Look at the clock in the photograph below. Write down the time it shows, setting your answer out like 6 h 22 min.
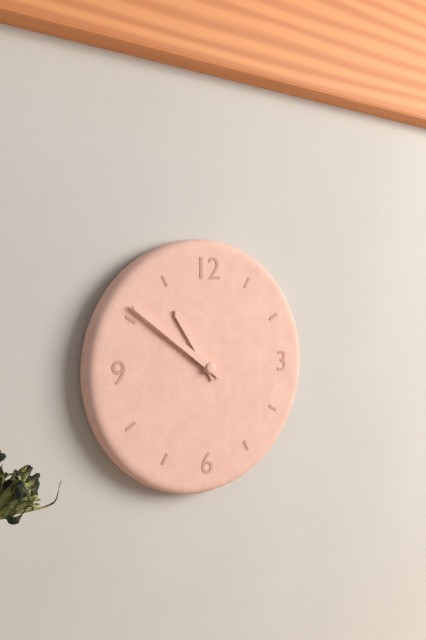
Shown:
10 h 51 min
